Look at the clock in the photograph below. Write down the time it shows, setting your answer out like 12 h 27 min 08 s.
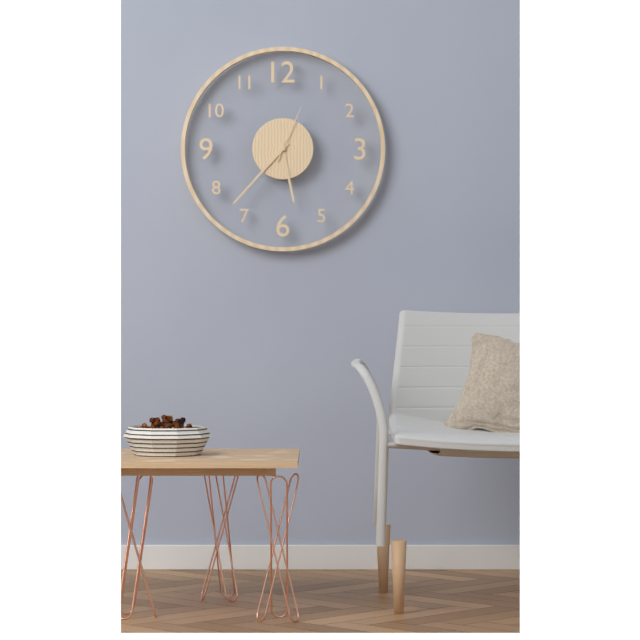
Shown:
5 h 37 min 04 s
